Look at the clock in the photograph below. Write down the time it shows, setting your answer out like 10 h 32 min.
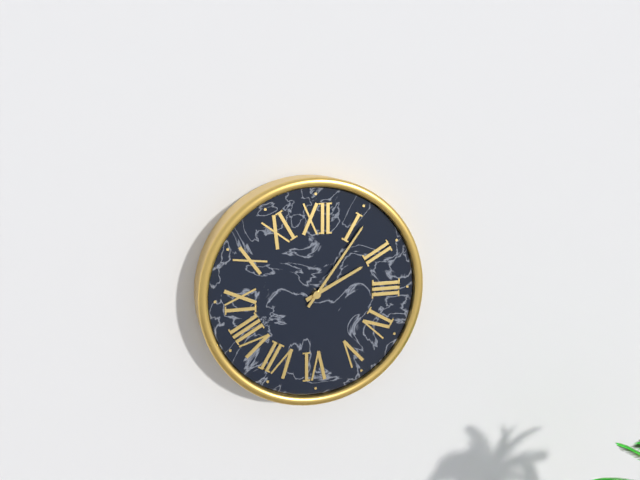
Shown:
2 h 06 min
